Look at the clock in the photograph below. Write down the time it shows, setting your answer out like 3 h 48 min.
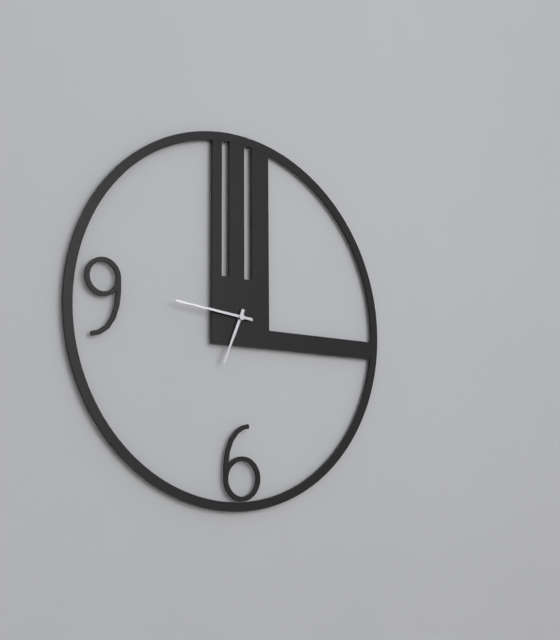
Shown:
6 h 46 min
